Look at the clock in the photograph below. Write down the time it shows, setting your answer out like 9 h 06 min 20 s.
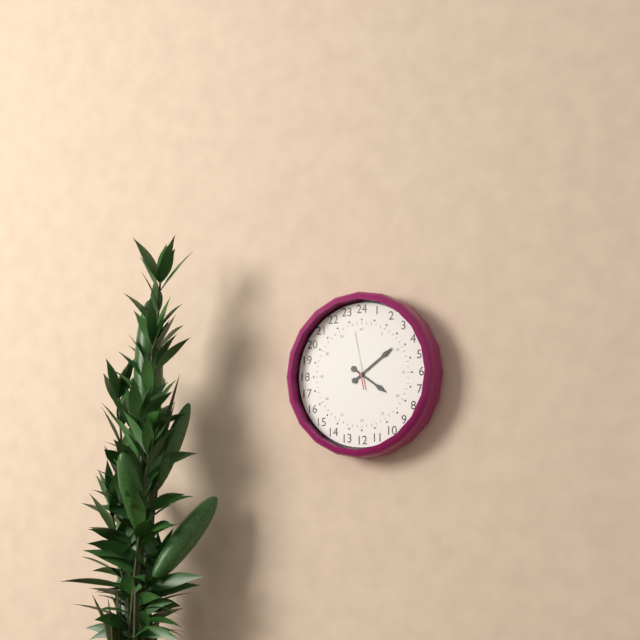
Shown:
4 h 09 min 58 s
